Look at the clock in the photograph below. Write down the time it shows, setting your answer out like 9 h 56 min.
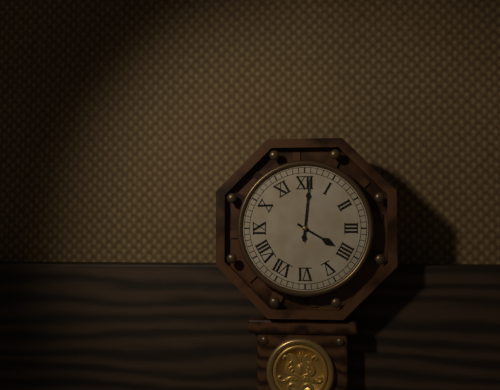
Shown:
4 h 01 min
